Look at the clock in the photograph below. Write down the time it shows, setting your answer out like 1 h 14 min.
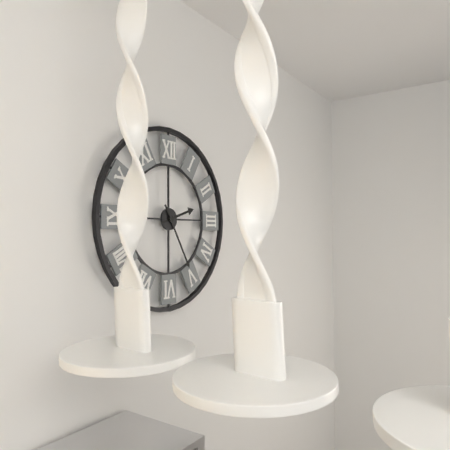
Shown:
2 h 25 min
